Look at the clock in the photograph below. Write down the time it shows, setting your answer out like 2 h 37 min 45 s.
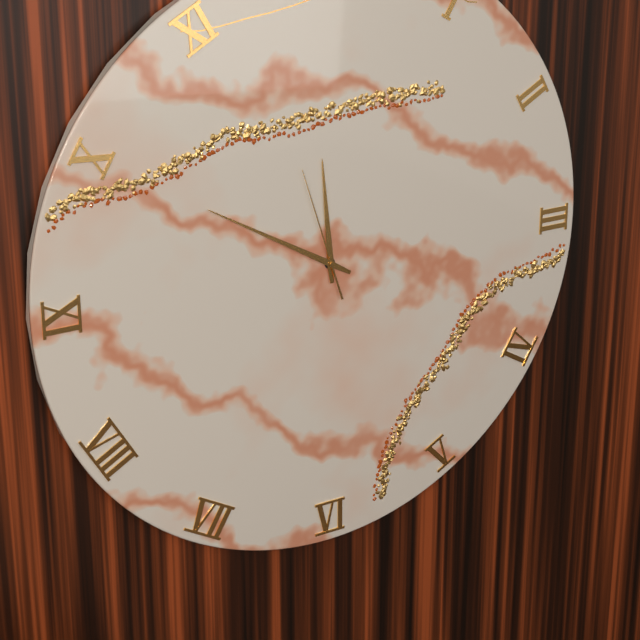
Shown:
11 h 50 min 57 s
